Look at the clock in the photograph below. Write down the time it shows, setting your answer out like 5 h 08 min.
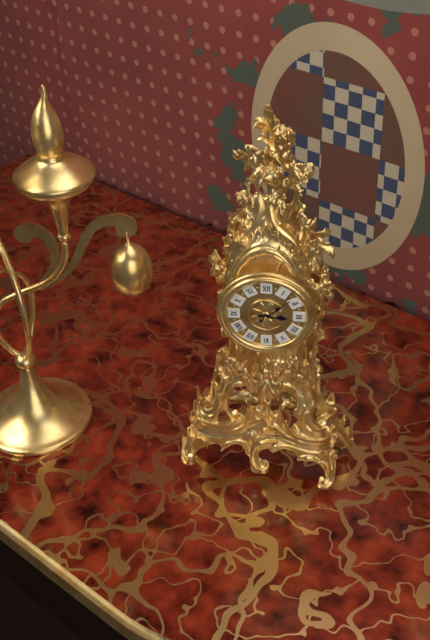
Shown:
3 h 08 min
